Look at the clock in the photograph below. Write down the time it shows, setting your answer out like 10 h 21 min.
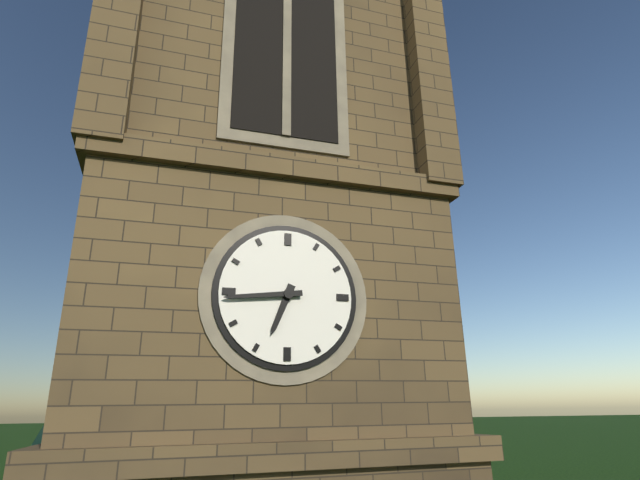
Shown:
6 h 44 min
